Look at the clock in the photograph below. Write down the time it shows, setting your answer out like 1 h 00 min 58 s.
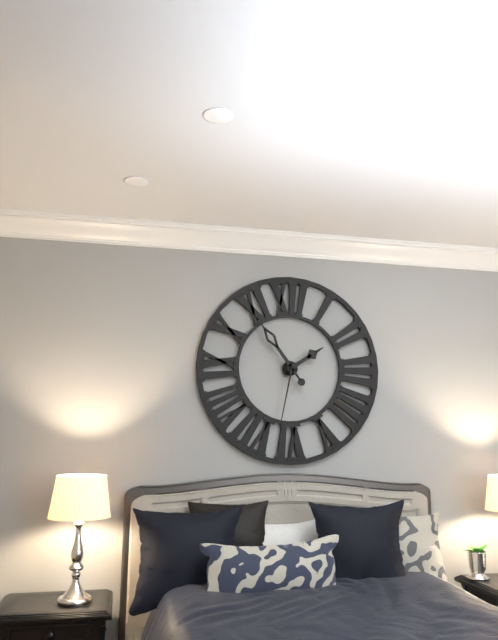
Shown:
1 h 54 min 32 s
